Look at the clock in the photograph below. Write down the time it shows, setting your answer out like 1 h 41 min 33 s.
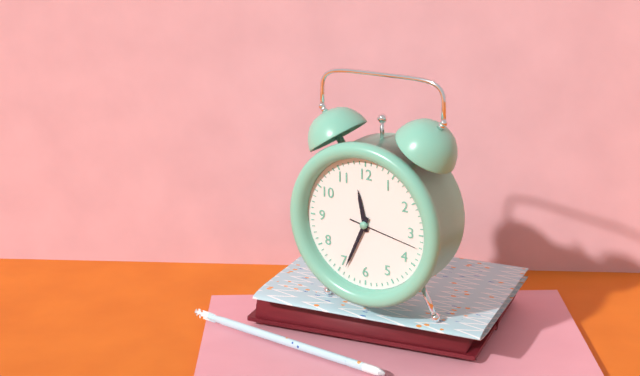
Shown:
11 h 34 min 17 s
